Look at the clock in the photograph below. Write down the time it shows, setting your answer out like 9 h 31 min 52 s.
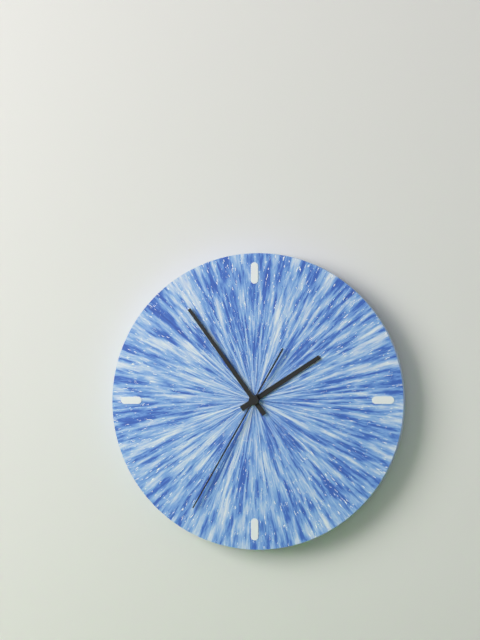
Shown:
1 h 54 min 35 s
